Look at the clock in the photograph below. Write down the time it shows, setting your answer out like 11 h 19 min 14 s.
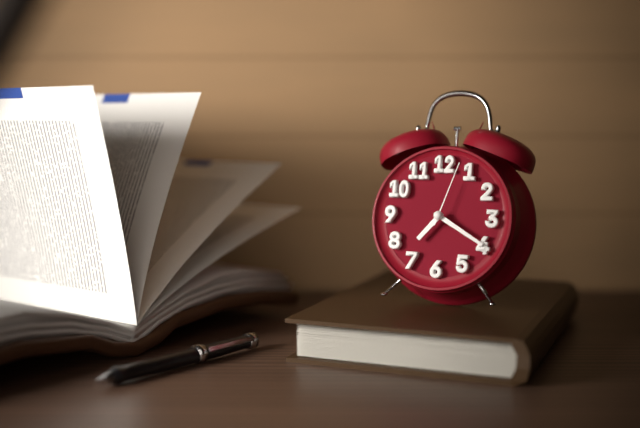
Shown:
7 h 20 min 03 s
